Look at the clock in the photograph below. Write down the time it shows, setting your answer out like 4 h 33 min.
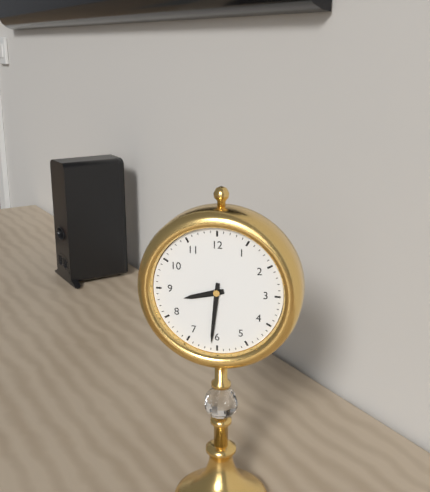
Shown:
8 h 31 min
